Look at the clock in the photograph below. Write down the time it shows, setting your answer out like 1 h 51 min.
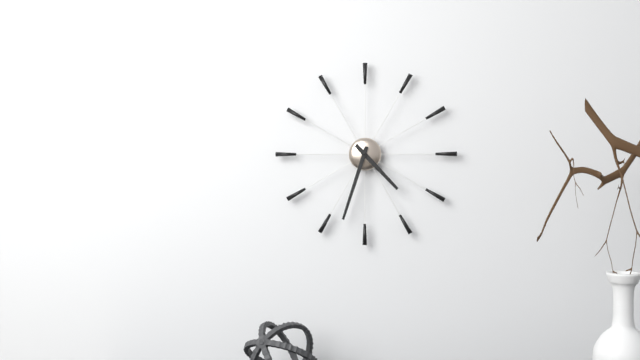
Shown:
4 h 33 min
